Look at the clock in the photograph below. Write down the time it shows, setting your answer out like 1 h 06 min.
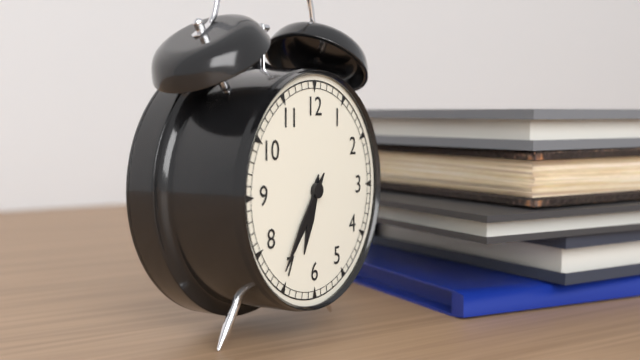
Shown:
6 h 36 min
